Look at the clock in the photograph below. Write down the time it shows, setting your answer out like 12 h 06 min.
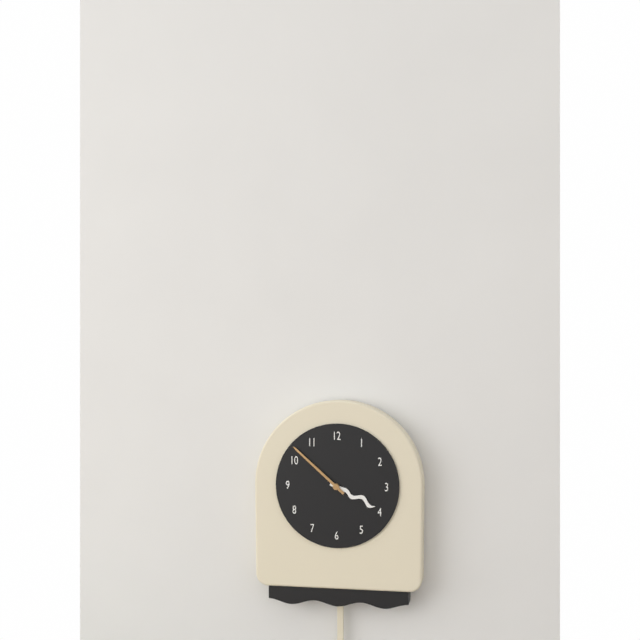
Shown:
3 h 52 min
